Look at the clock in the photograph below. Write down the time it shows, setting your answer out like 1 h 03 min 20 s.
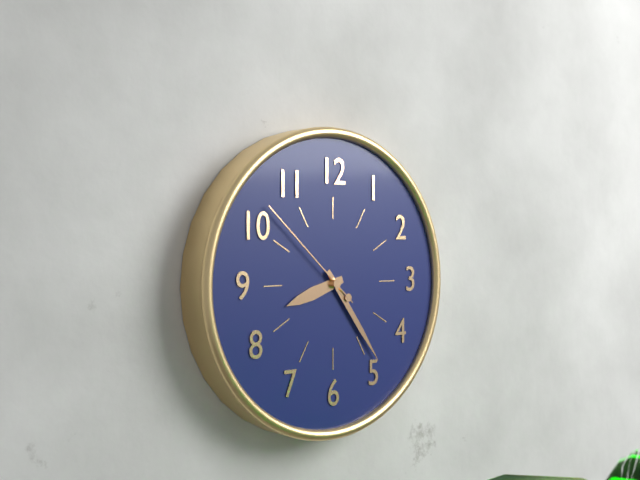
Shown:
8 h 24 min 52 s
